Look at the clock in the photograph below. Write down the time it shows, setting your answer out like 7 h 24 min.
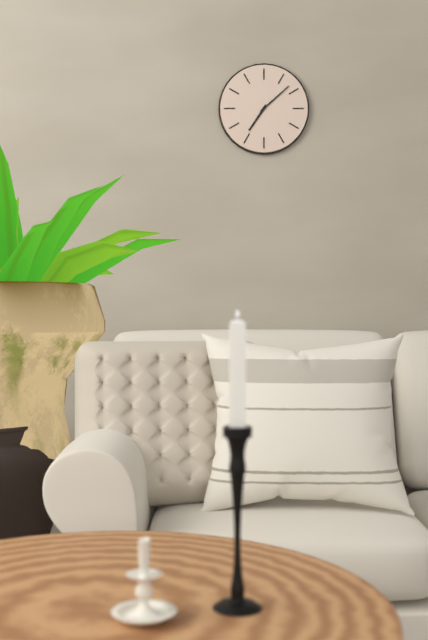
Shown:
7 h 08 min
